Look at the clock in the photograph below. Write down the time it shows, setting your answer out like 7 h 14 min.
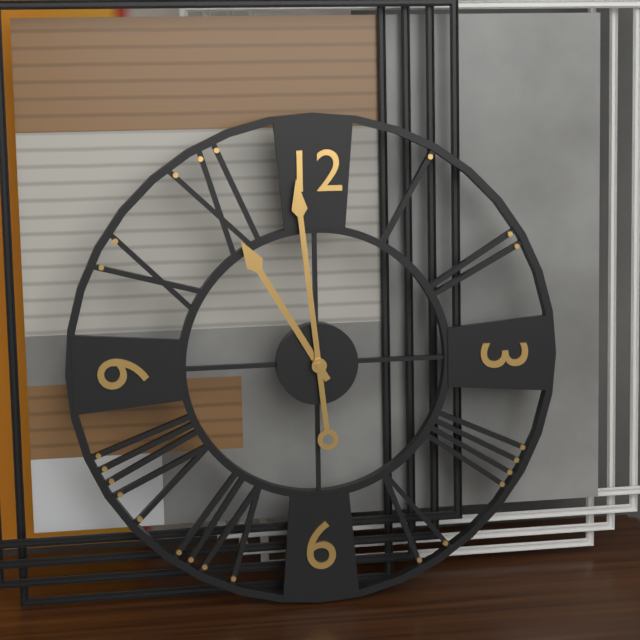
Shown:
10 h 59 min
